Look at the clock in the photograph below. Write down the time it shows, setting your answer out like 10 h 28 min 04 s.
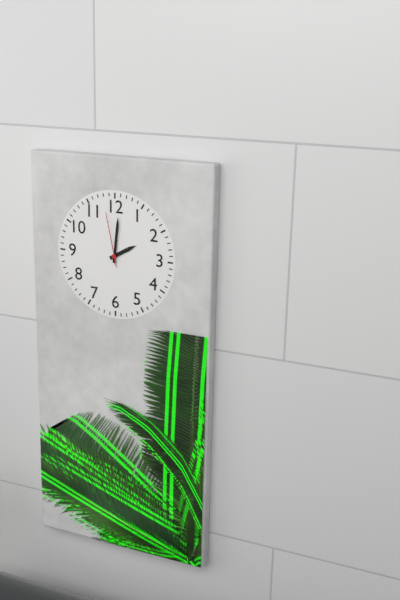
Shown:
2 h 01 min 58 s
